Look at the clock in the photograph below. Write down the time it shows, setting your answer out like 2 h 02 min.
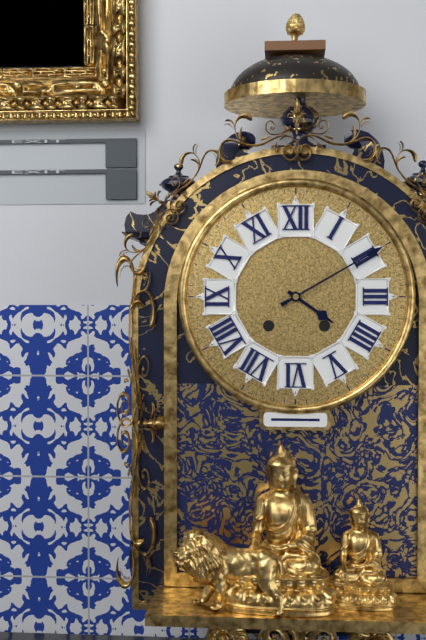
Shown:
4 h 10 min
